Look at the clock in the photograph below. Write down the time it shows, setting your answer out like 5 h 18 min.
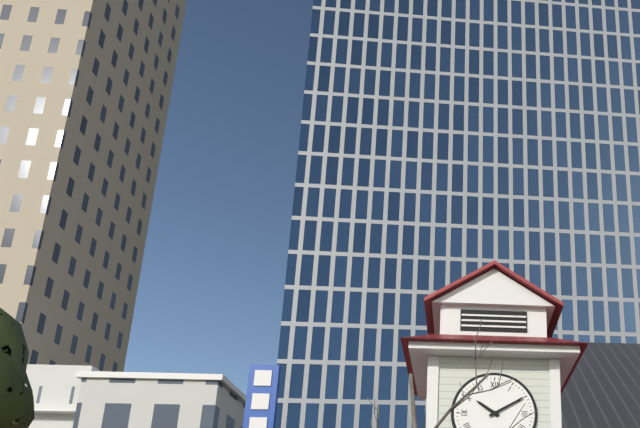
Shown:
10 h 10 min
